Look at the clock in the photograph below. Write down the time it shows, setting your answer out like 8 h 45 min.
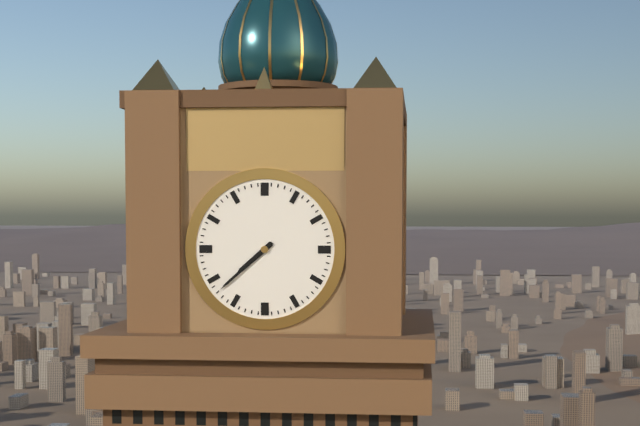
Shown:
7 h 38 min
